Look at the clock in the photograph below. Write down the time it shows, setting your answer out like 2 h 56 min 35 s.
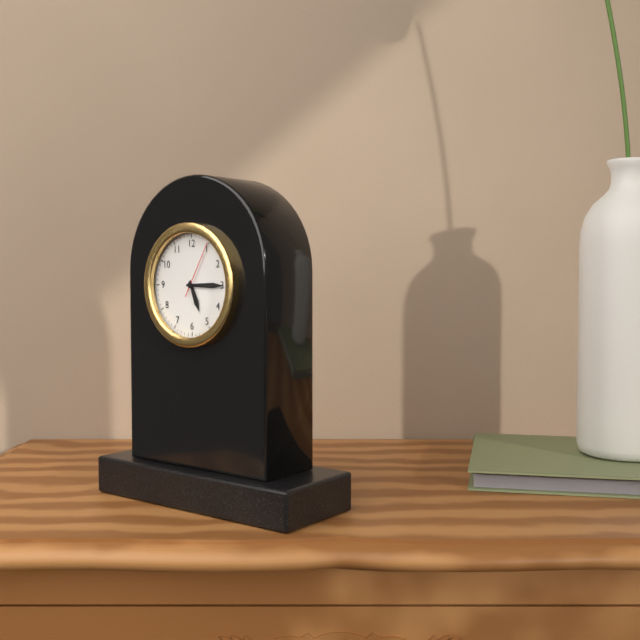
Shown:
5 h 15 min 05 s
